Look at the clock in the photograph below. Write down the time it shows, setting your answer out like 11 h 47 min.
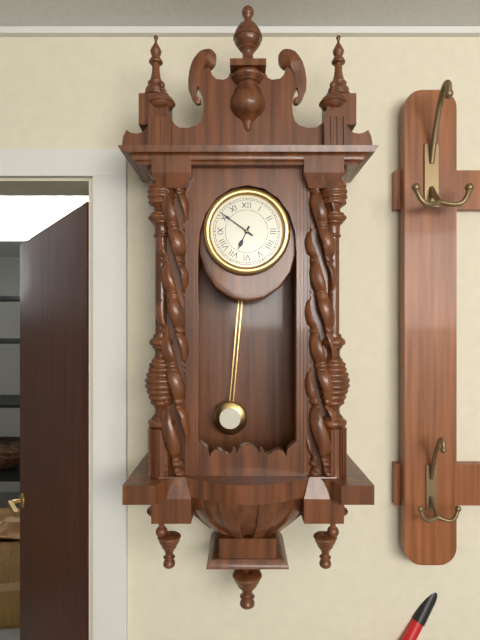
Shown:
6 h 51 min
